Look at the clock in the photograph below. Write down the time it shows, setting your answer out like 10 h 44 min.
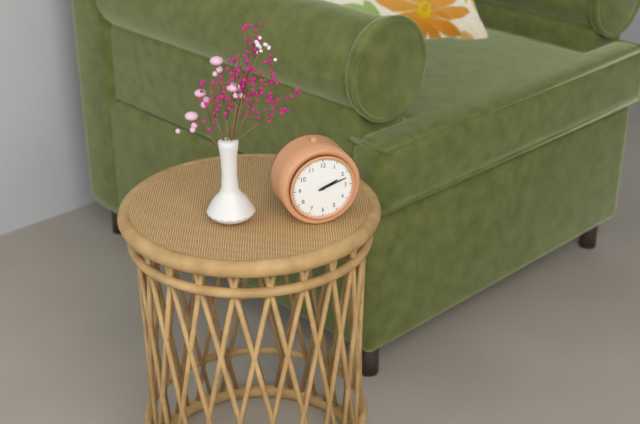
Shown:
2 h 12 min
